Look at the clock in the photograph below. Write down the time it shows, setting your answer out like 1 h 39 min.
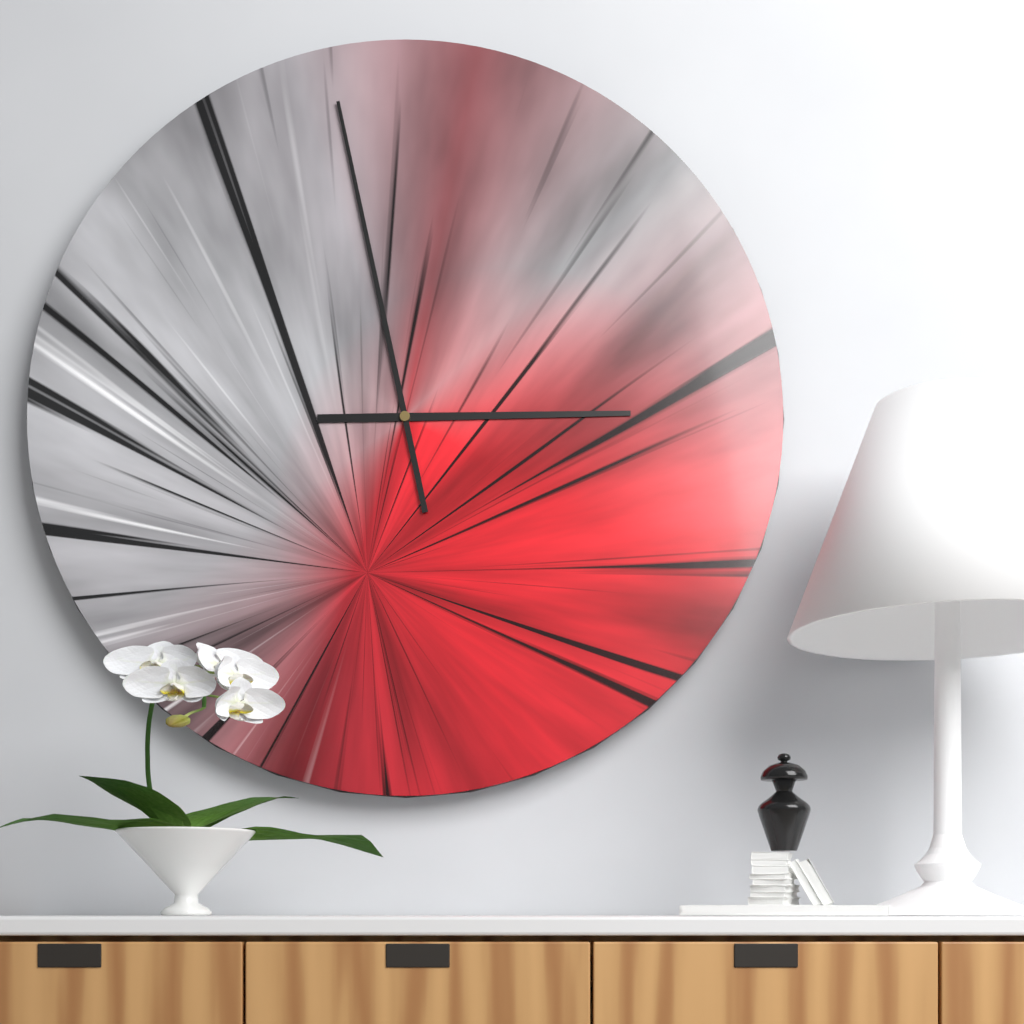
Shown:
2 h 58 min
